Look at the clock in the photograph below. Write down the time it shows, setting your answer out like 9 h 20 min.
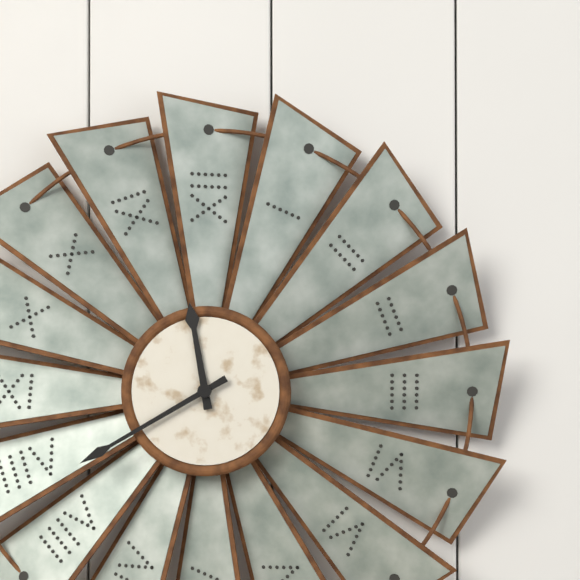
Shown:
11 h 40 min
